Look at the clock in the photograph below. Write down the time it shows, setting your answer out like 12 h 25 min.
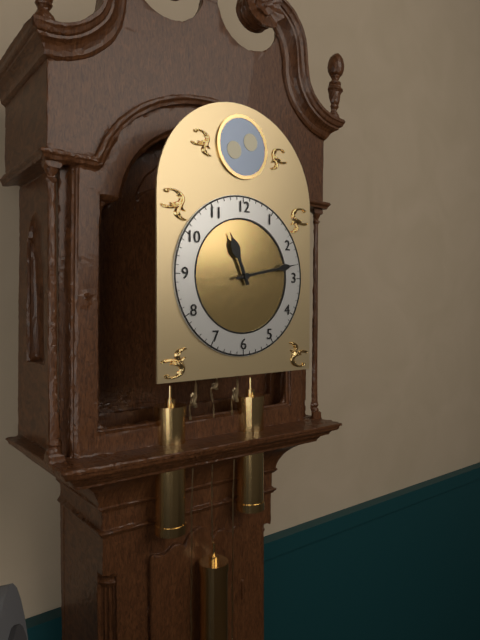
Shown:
11 h 13 min
